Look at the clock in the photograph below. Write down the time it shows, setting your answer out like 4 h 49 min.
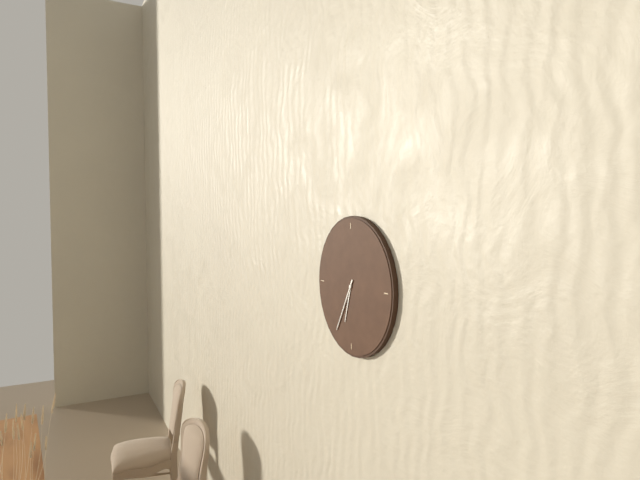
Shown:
6 h 35 min
